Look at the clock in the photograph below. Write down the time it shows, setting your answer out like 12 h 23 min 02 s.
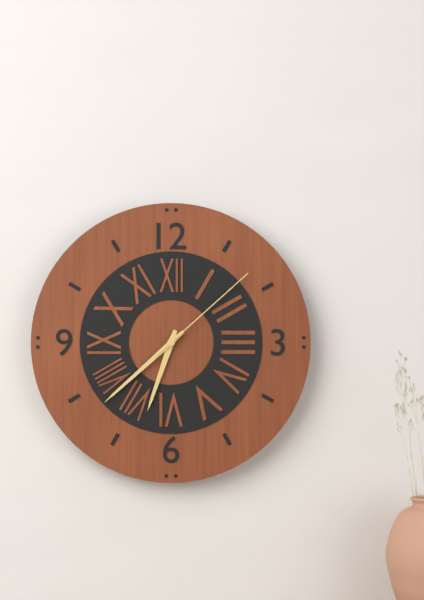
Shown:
6 h 38 min 08 s
